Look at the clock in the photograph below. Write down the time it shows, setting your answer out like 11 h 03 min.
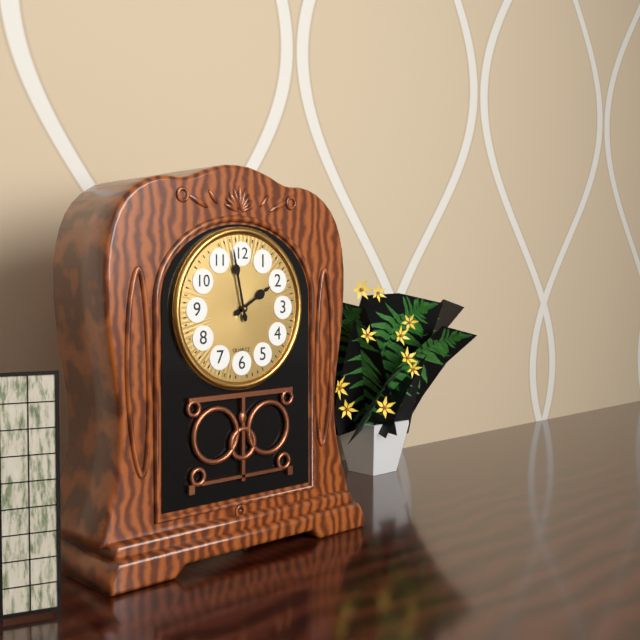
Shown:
1 h 58 min
